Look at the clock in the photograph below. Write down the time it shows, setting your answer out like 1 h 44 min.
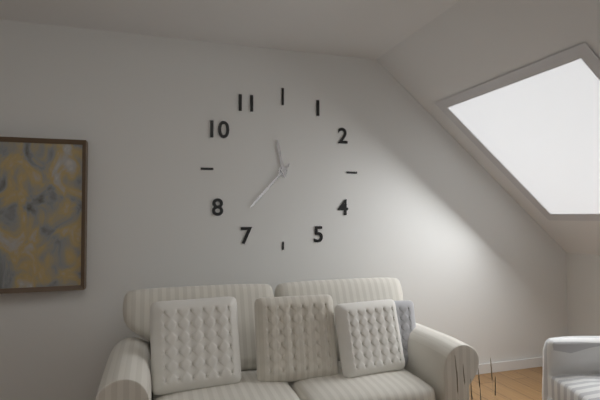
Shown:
11 h 37 min
